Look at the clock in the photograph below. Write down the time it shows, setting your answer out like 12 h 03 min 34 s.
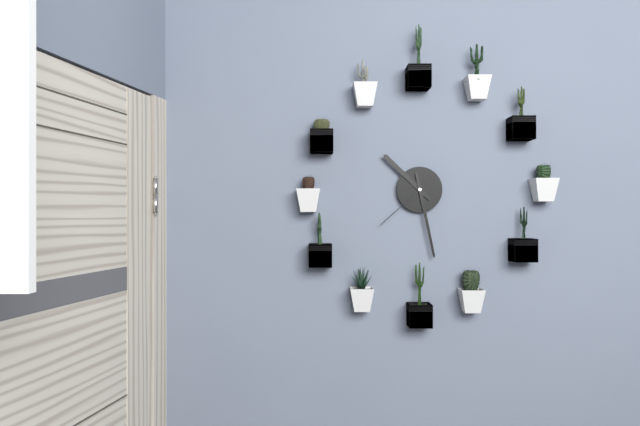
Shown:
10 h 28 min 38 s
